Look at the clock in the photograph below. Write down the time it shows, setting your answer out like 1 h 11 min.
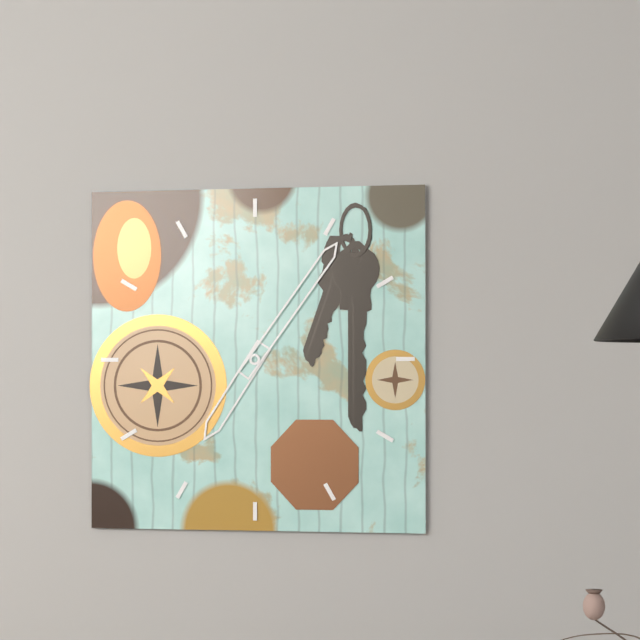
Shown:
7 h 06 min
